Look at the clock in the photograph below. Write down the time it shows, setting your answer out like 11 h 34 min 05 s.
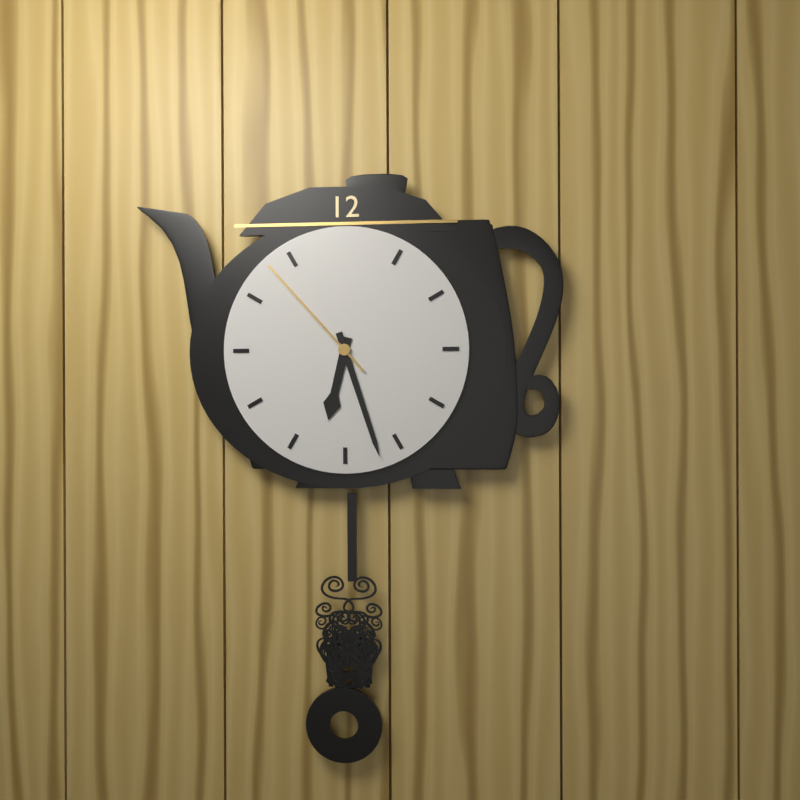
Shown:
6 h 27 min 53 s
